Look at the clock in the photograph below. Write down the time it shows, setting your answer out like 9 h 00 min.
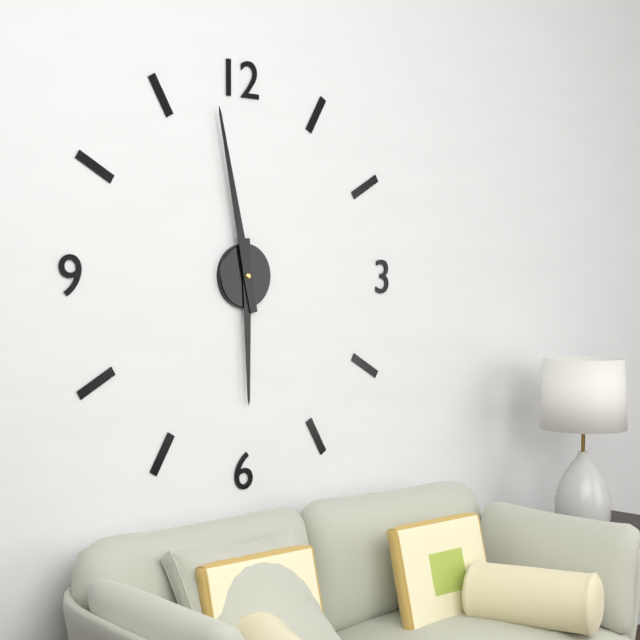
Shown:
5 h 58 min
